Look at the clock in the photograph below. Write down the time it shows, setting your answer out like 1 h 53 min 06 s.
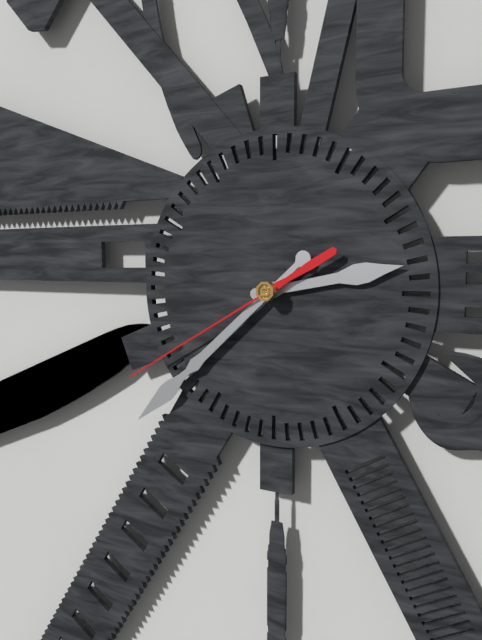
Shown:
2 h 38 min 40 s
